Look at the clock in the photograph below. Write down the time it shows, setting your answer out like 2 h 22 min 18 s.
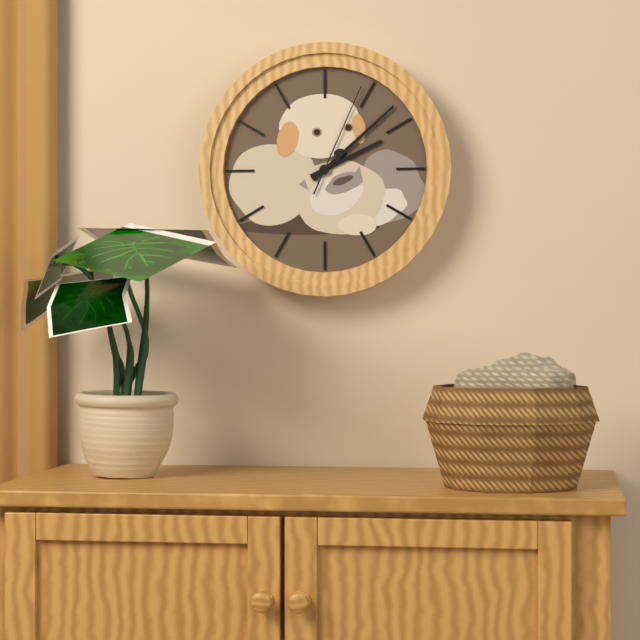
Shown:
2 h 08 min 04 s
